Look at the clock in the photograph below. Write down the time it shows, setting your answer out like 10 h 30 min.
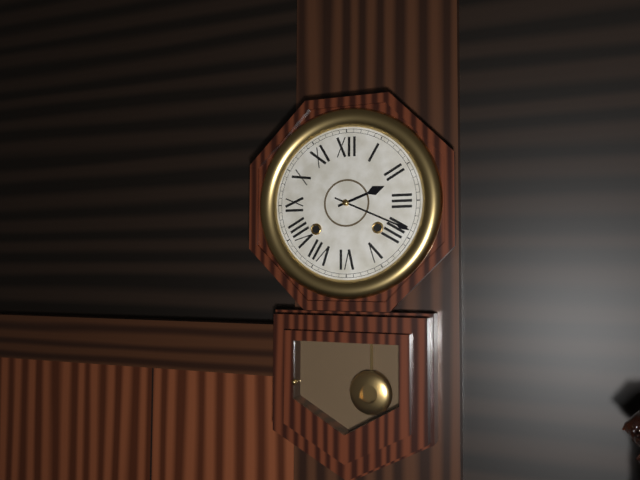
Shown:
2 h 19 min
